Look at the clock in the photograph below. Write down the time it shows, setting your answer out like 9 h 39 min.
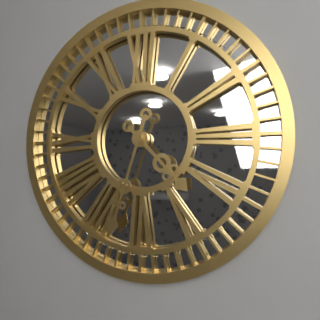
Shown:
4 h 33 min
